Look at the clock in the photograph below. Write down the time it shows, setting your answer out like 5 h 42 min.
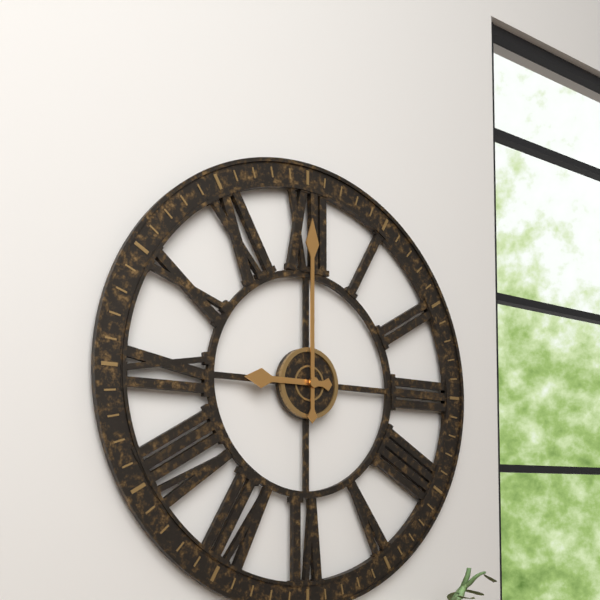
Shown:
9 h 00 min
